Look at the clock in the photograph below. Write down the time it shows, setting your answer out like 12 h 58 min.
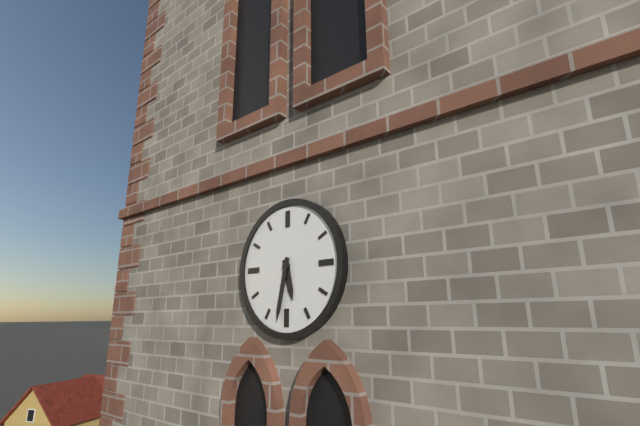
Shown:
5 h 32 min
